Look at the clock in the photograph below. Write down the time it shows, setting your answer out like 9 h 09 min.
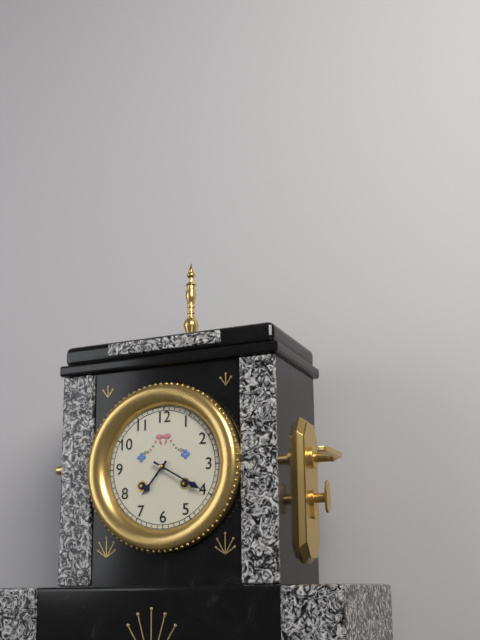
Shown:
7 h 20 min
